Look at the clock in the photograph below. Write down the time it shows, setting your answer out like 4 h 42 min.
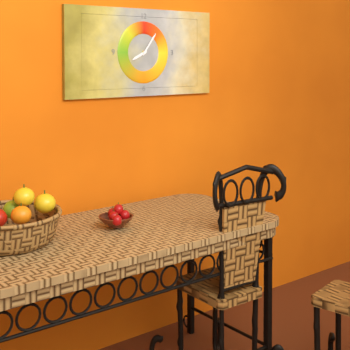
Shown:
8 h 06 min
